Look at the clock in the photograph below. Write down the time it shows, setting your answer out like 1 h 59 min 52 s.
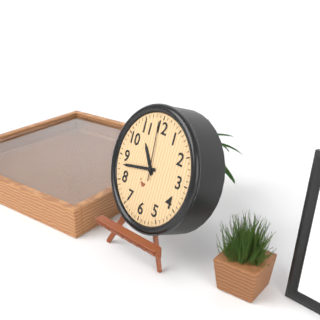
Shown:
10 h 43 min 59 s
